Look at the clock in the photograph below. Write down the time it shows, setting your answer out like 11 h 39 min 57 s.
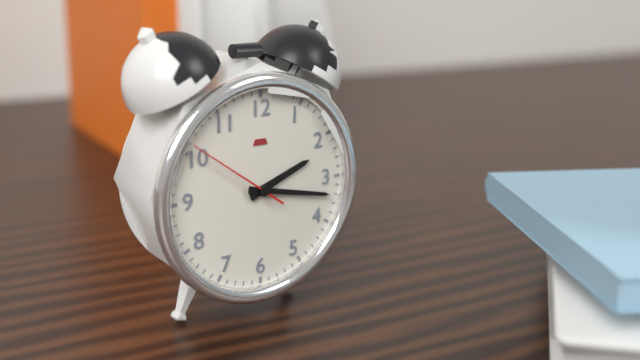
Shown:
2 h 17 min 51 s
